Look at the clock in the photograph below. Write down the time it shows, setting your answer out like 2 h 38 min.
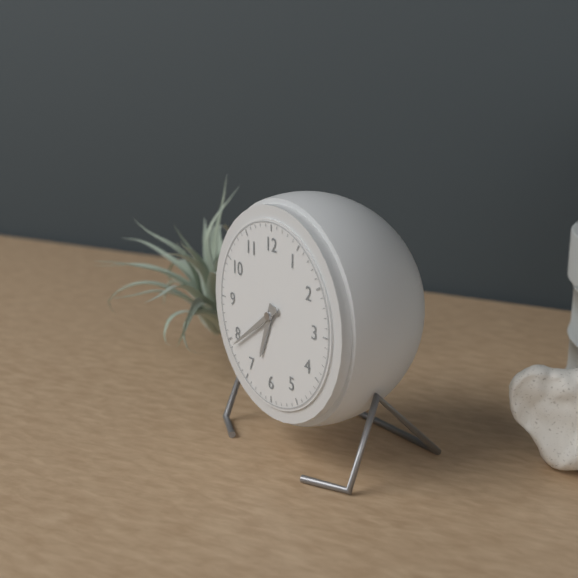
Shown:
6 h 39 min
